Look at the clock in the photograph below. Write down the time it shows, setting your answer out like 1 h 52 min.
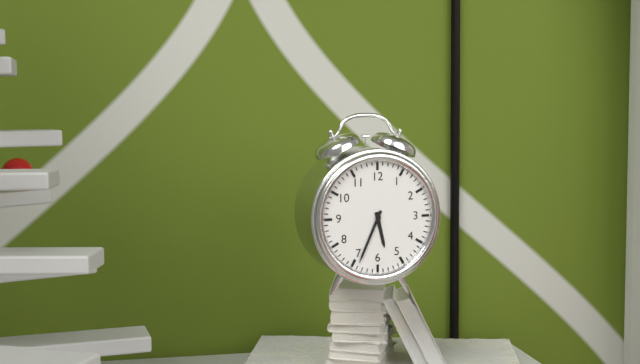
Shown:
5 h 34 min
